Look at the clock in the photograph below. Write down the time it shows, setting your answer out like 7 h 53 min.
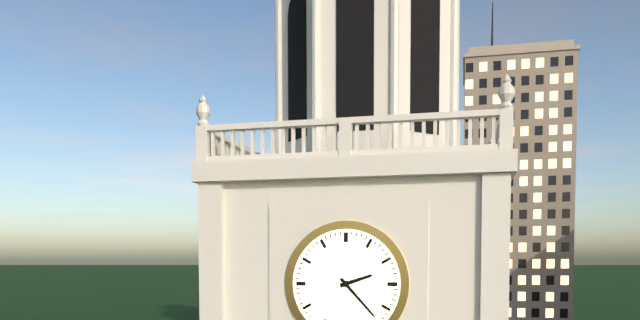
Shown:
2 h 23 min
